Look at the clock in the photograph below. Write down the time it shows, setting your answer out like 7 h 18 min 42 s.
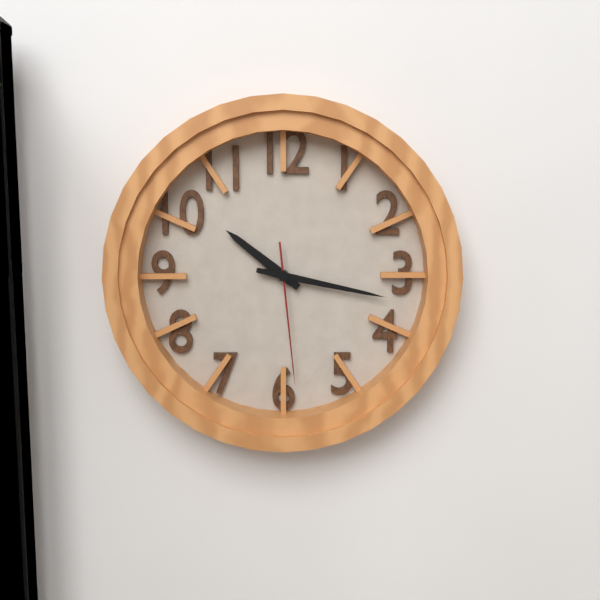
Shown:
10 h 17 min 29 s
